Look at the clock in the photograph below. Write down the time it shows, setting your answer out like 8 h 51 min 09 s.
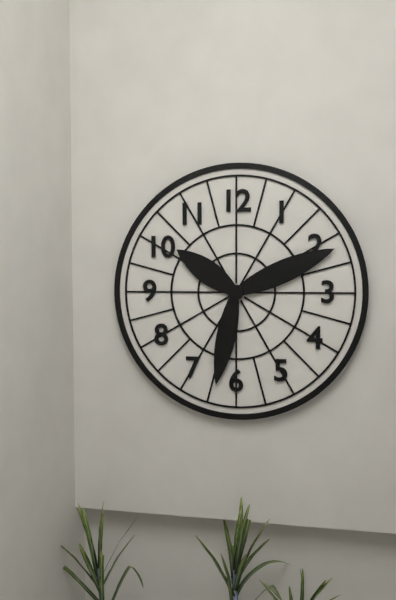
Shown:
10 h 11 min 32 s
